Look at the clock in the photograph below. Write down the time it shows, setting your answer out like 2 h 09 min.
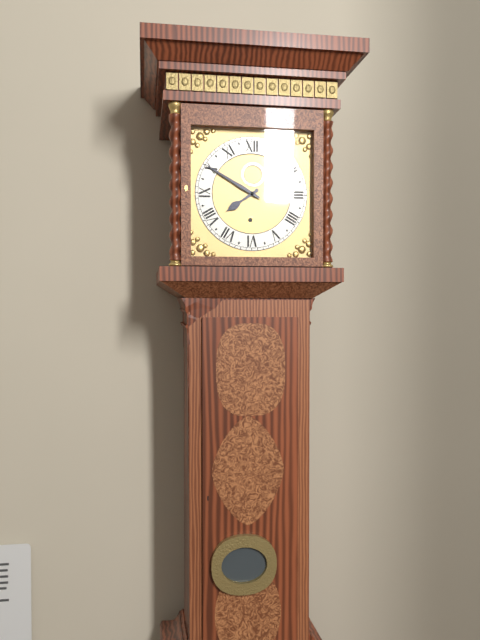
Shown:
7 h 50 min
